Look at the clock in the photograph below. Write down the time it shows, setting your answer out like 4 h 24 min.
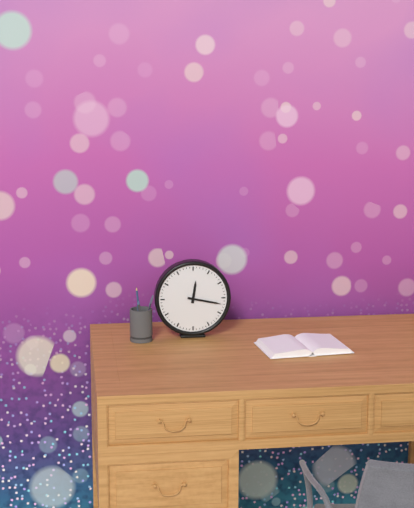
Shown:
12 h 17 min
